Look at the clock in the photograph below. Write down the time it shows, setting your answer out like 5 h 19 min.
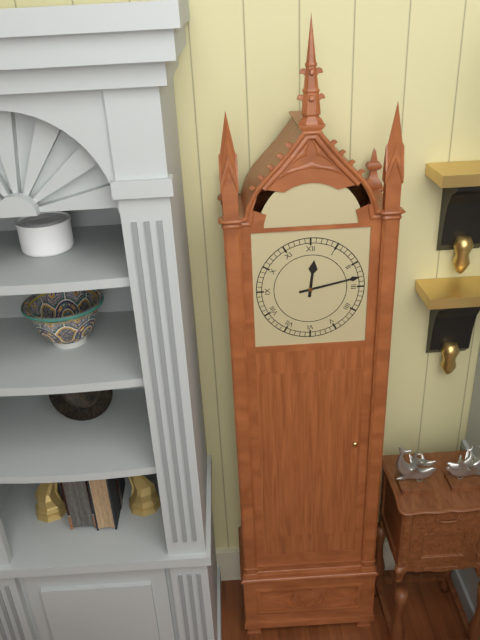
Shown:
12 h 13 min
